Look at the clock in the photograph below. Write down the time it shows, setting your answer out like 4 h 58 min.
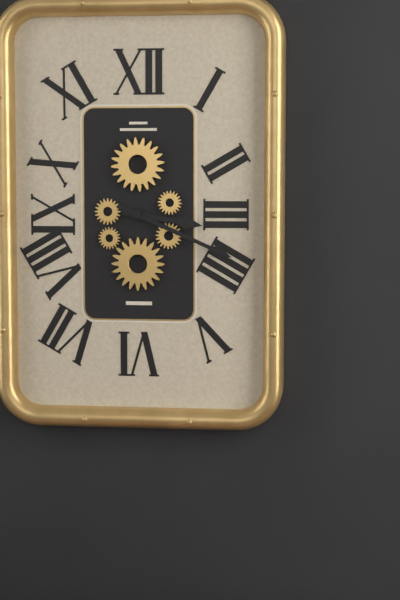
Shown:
3 h 19 min
